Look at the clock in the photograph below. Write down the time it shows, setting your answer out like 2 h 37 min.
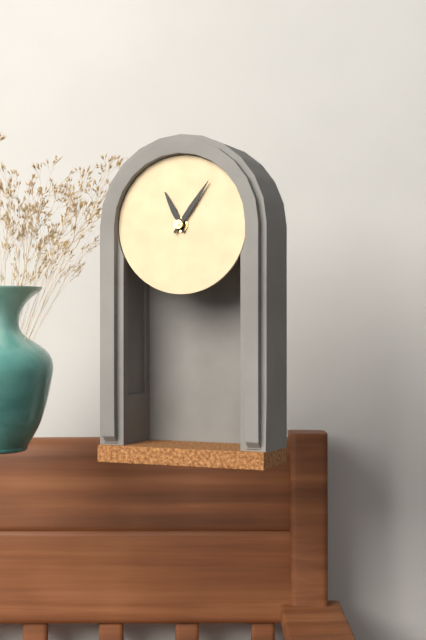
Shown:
11 h 06 min
